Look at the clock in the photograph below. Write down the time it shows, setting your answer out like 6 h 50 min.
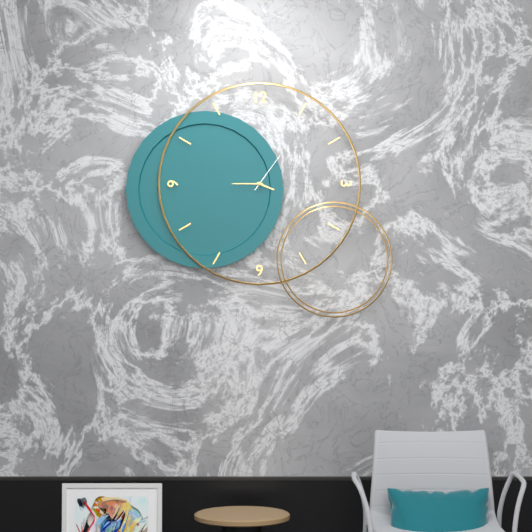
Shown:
3 h 45 min
